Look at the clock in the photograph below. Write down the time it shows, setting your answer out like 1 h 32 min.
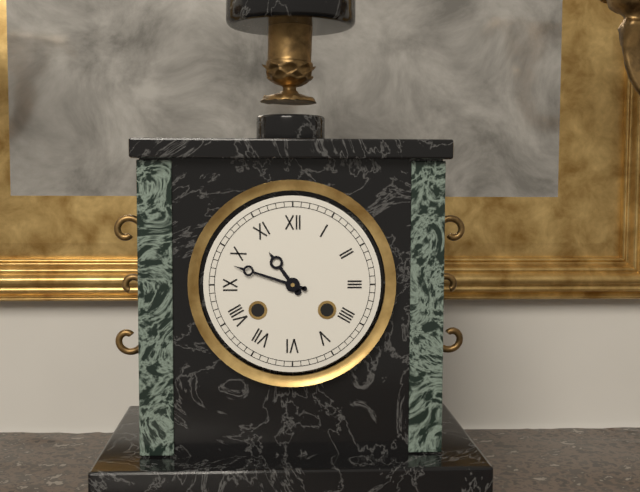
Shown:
10 h 48 min
